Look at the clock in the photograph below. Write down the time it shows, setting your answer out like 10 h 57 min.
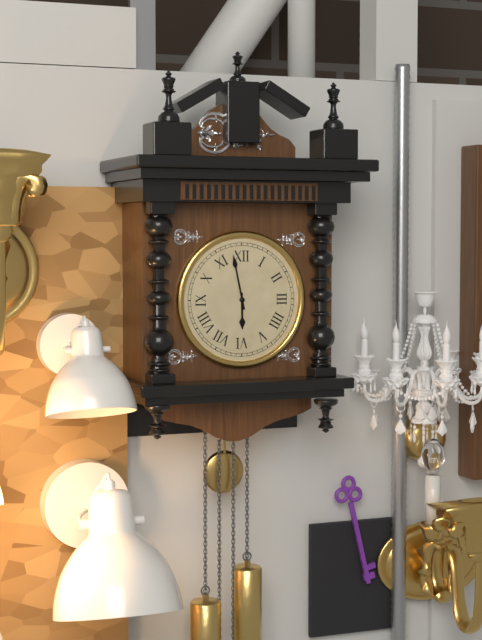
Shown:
5 h 58 min
